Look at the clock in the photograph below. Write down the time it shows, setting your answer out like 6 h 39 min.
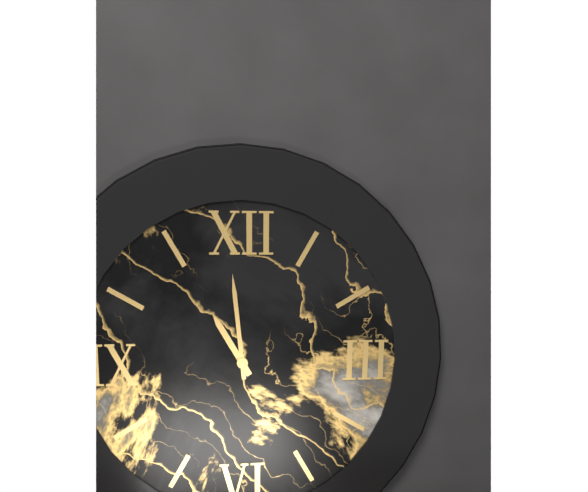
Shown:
10 h 59 min
